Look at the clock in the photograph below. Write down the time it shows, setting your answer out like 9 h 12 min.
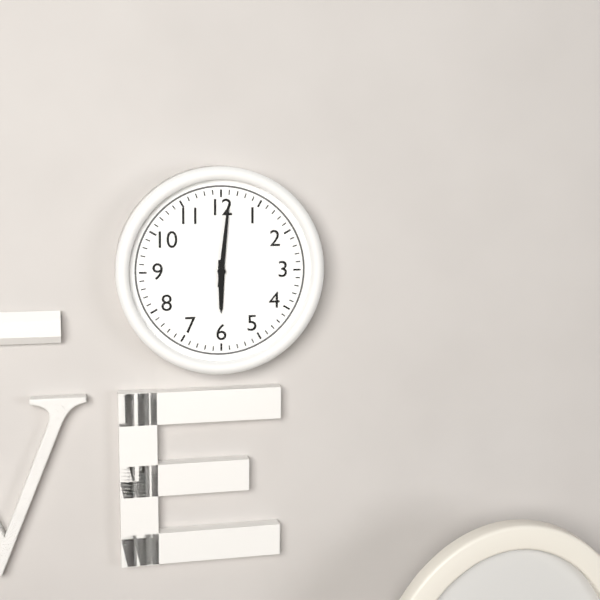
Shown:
6 h 01 min
